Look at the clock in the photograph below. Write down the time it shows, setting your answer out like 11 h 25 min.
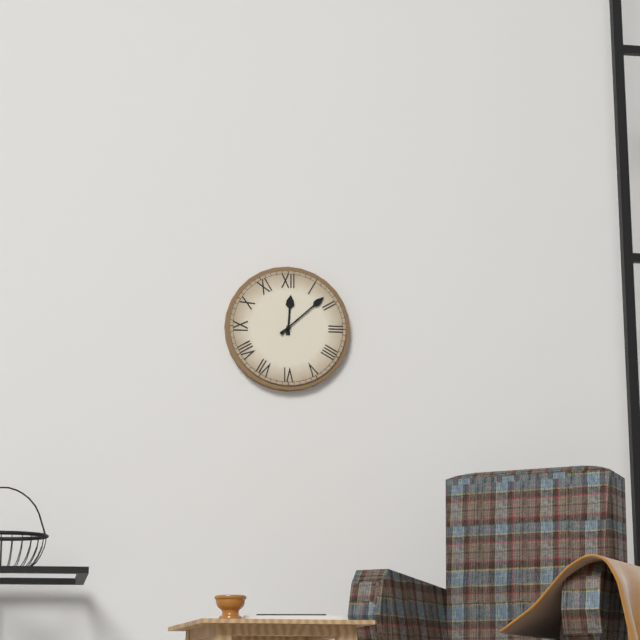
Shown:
12 h 08 min
